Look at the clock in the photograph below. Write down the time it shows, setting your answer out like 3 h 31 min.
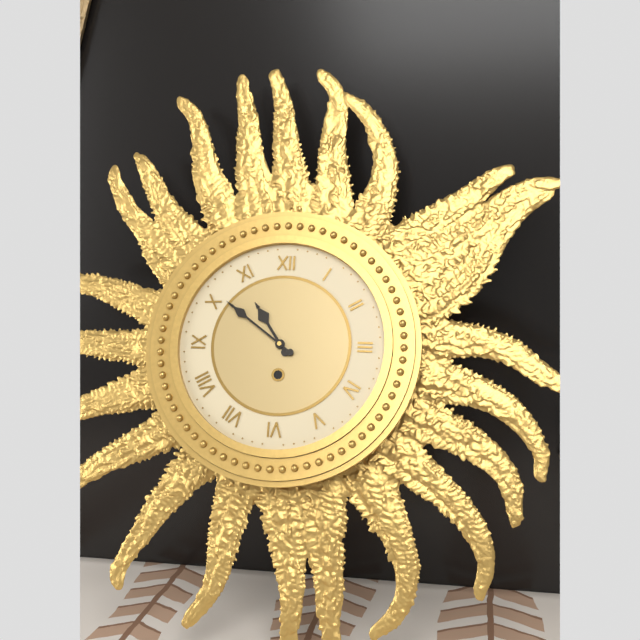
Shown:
10 h 51 min
